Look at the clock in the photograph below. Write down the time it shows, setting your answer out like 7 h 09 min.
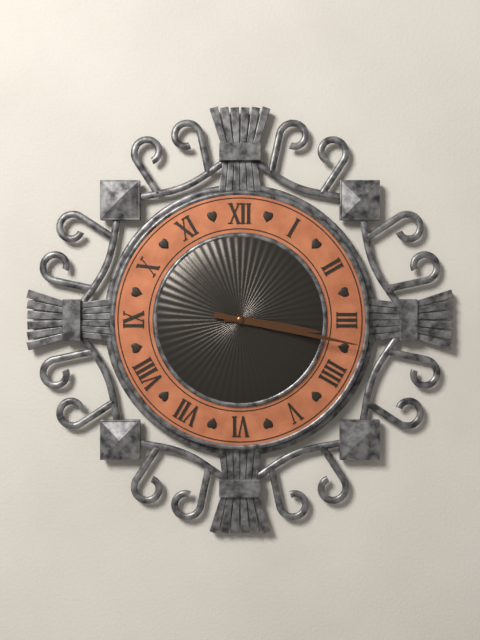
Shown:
3 h 17 min
